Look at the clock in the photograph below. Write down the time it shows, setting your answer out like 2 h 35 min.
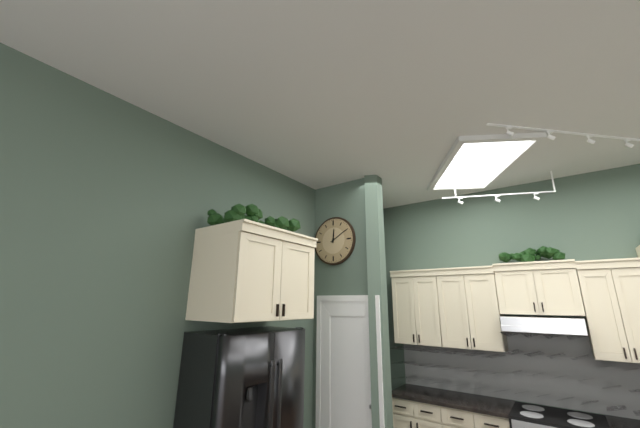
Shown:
12 h 10 min
